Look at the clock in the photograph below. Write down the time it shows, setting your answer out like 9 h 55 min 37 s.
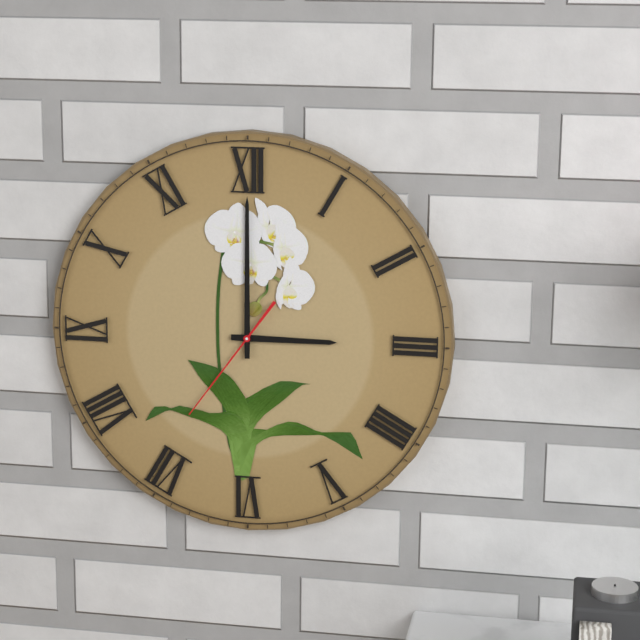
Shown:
3 h 00 min 36 s
